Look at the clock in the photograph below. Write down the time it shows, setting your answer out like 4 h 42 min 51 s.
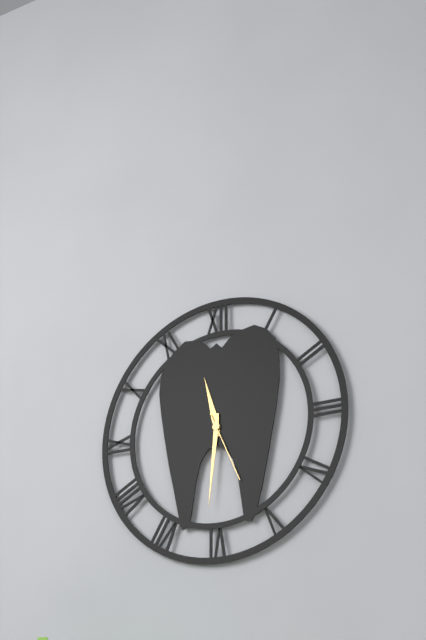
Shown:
11 h 31 min 26 s
